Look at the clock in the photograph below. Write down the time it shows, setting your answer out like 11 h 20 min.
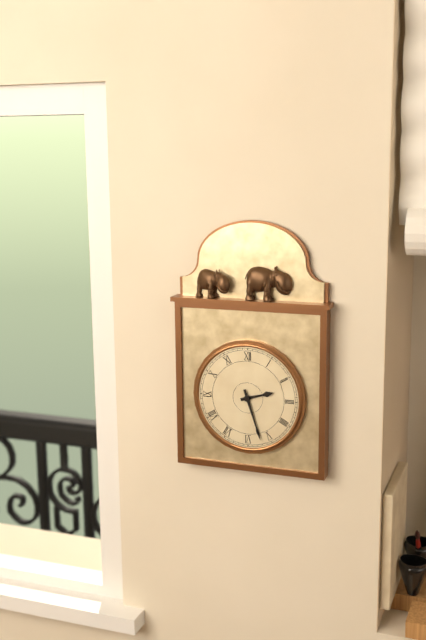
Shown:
2 h 27 min
